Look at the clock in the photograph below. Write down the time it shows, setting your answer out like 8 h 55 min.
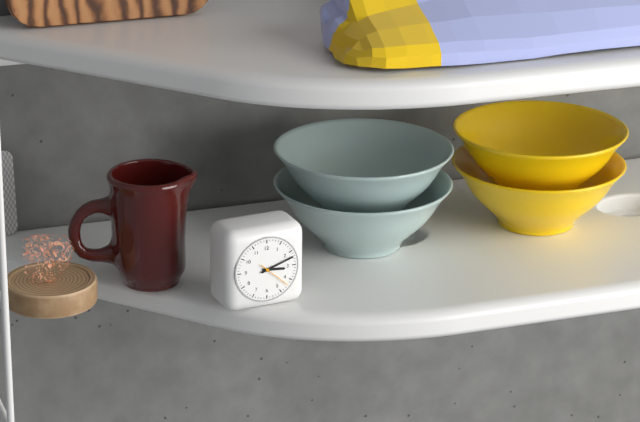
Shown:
3 h 12 min
